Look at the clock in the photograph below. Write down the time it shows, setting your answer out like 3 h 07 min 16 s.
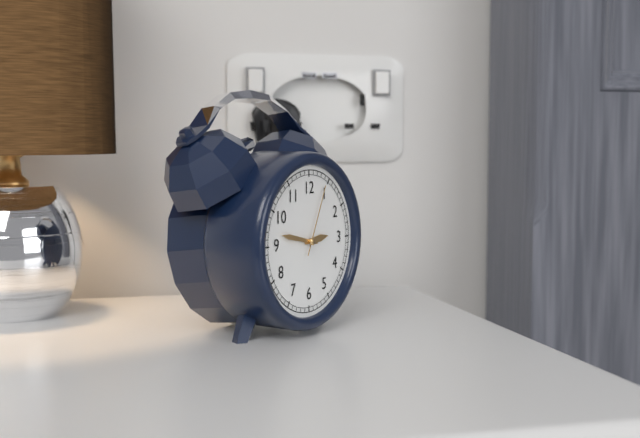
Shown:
2 h 47 min 04 s
